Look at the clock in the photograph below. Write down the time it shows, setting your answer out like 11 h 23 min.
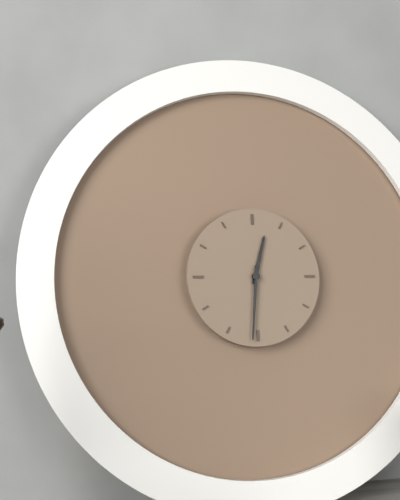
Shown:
12 h 31 min
